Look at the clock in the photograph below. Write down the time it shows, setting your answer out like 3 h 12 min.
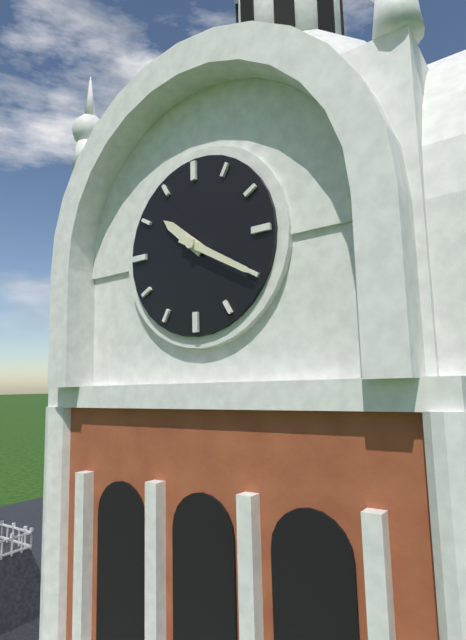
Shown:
10 h 20 min
